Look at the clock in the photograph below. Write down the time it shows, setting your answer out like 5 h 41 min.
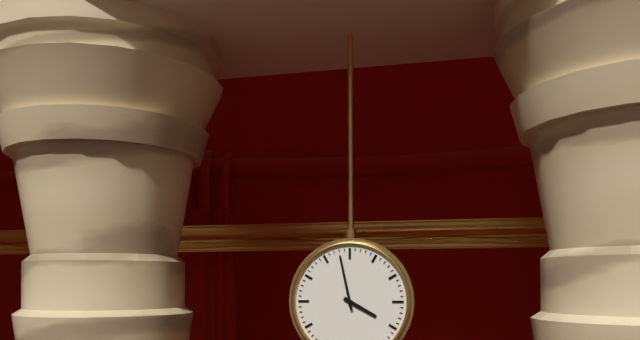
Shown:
3 h 58 min
